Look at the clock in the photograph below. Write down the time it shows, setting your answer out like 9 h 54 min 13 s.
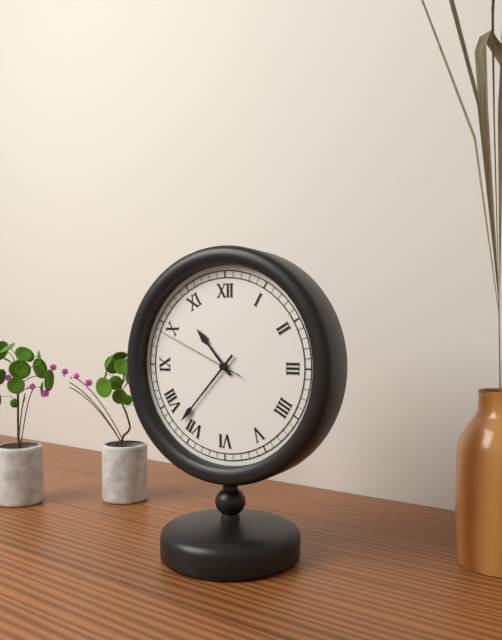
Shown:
10 h 37 min 49 s
